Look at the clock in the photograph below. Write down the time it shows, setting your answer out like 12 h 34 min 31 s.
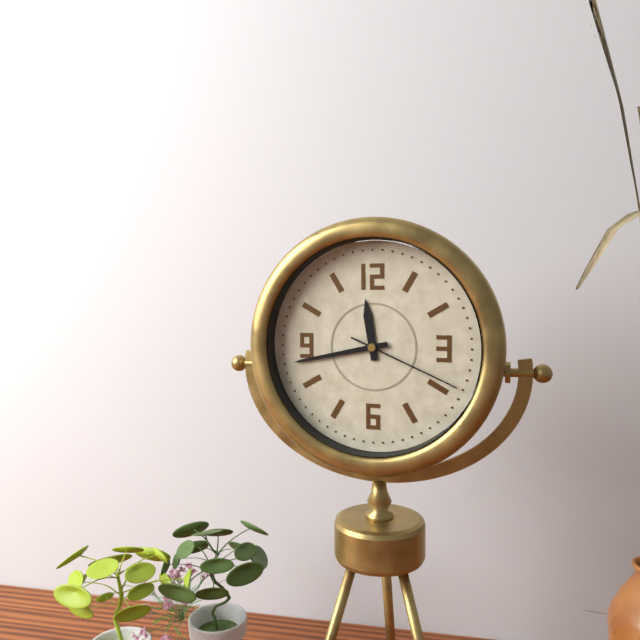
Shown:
11 h 43 min 19 s
